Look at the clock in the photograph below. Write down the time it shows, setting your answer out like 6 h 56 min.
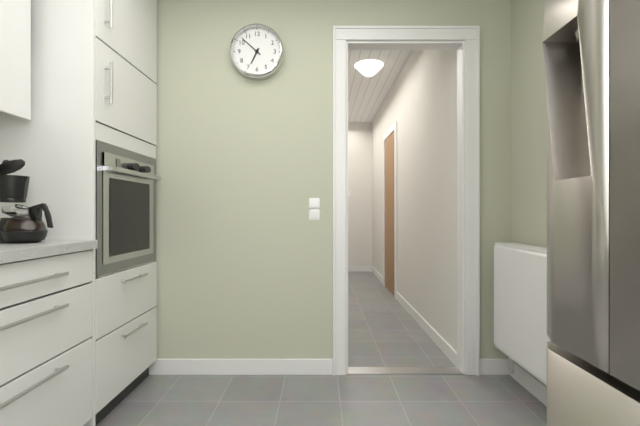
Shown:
6 h 52 min
